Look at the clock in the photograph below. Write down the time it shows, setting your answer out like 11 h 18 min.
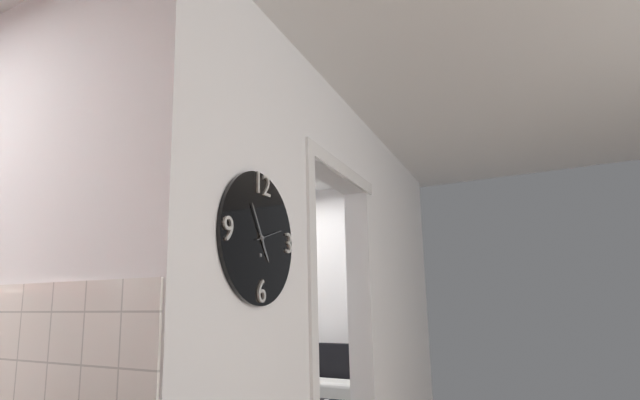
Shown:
4 h 55 min
